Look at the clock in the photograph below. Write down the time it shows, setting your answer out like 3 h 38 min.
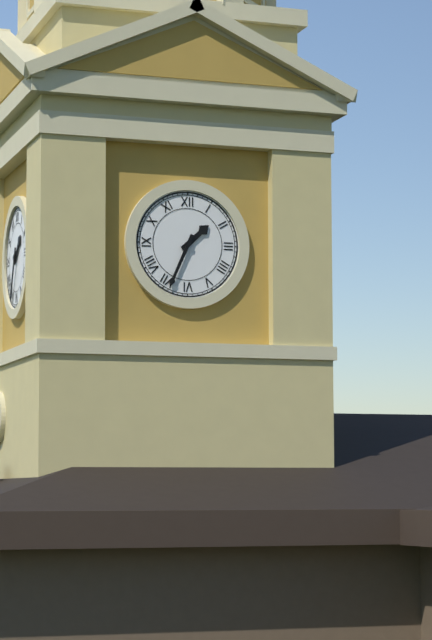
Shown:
1 h 34 min
